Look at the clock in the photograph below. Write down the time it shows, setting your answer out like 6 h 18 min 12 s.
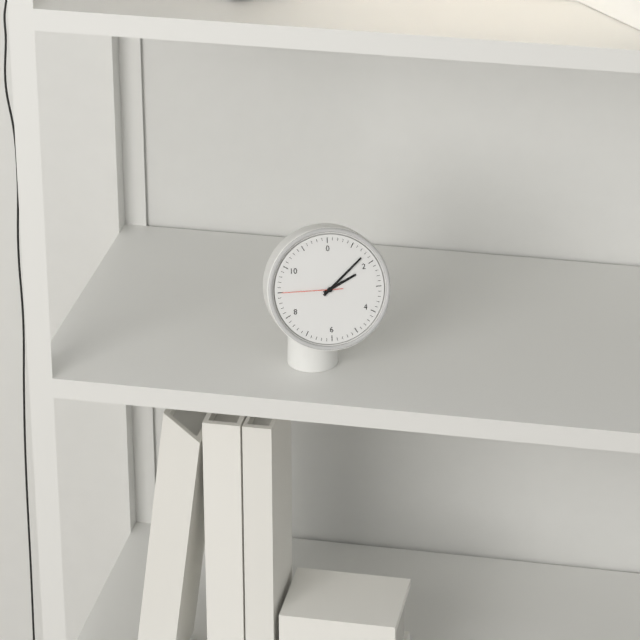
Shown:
2 h 08 min 45 s
